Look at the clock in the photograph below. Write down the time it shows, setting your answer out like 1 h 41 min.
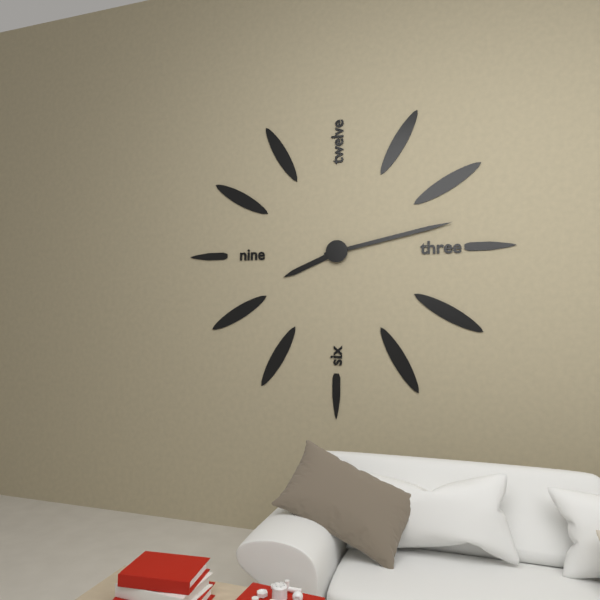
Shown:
8 h 13 min
